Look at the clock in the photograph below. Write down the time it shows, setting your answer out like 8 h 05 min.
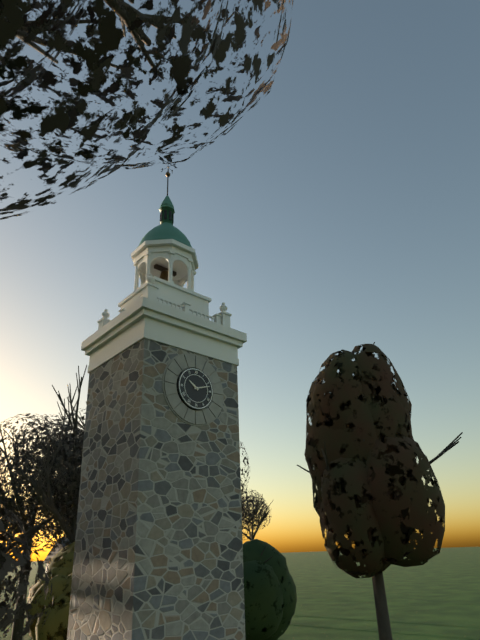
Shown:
10 h 12 min
